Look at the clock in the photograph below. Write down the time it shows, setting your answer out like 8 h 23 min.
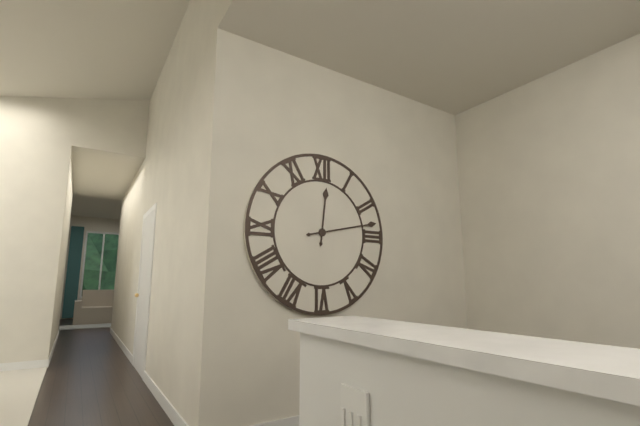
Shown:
12 h 13 min
